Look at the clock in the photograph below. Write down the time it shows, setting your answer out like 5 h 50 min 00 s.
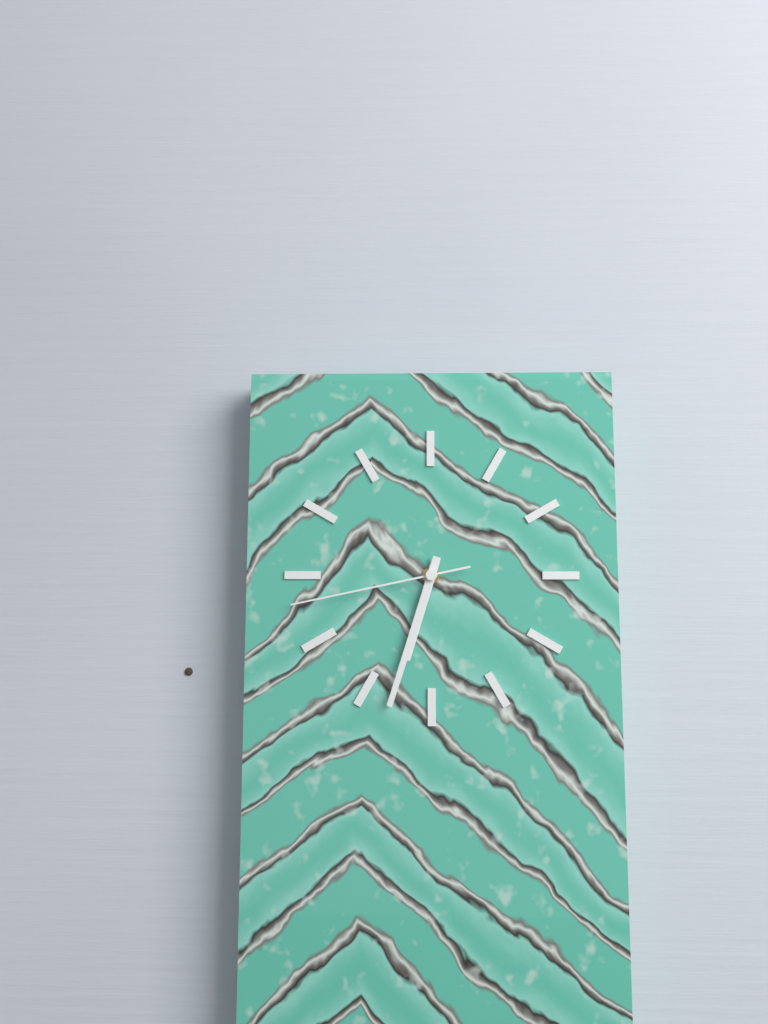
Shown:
6 h 33 min 43 s
